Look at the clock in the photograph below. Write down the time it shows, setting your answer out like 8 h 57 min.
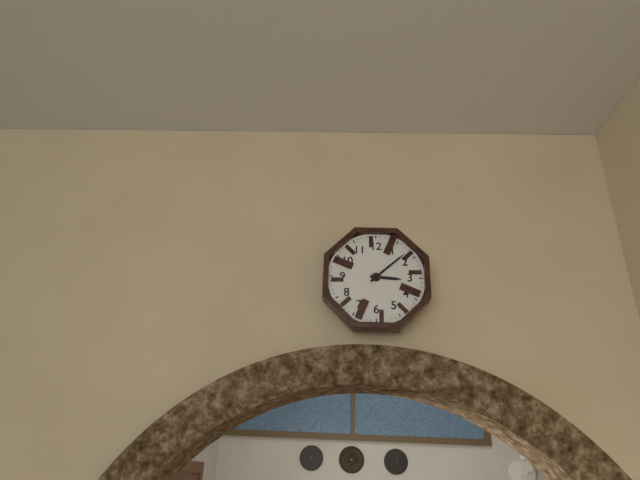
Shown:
3 h 08 min
